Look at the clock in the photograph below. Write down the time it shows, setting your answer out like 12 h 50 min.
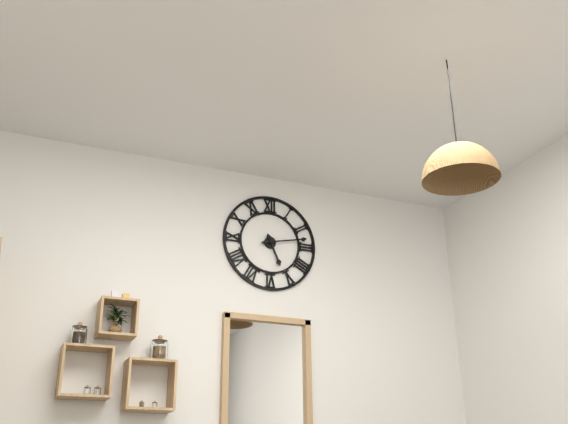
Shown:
5 h 13 min
